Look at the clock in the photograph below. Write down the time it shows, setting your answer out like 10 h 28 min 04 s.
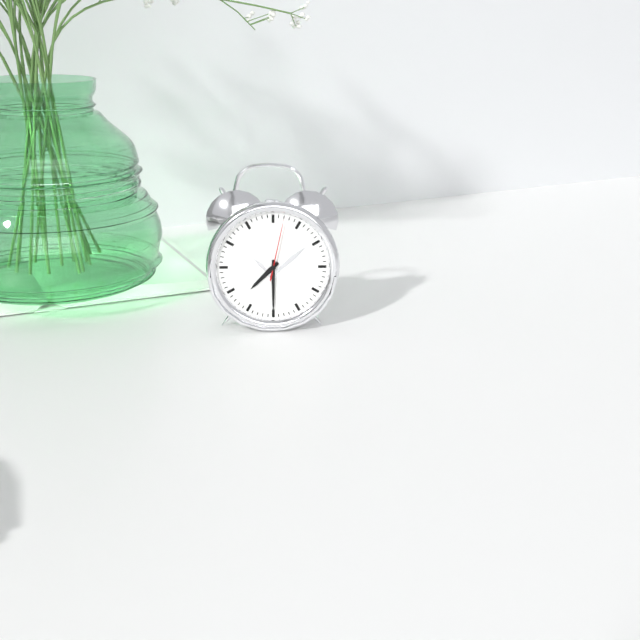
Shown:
7 h 30 min 02 s
